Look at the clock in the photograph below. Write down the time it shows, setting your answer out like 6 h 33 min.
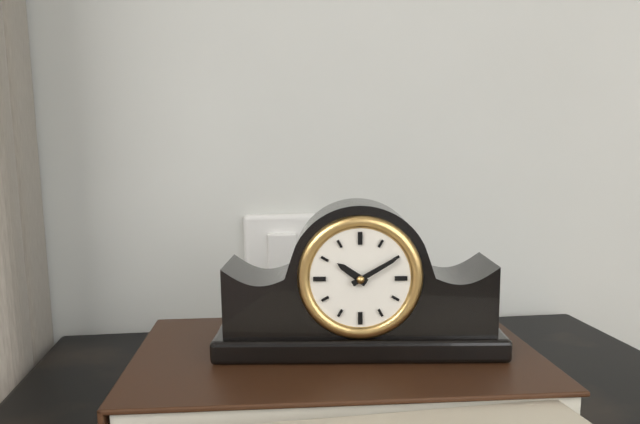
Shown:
10 h 10 min
